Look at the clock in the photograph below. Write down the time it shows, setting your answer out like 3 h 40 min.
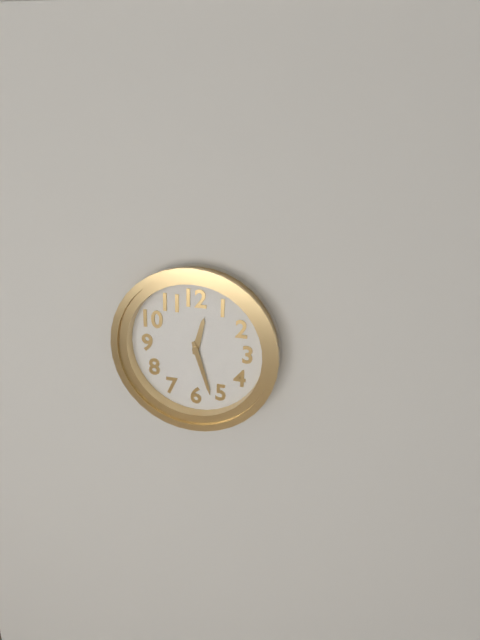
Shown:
12 h 27 min
